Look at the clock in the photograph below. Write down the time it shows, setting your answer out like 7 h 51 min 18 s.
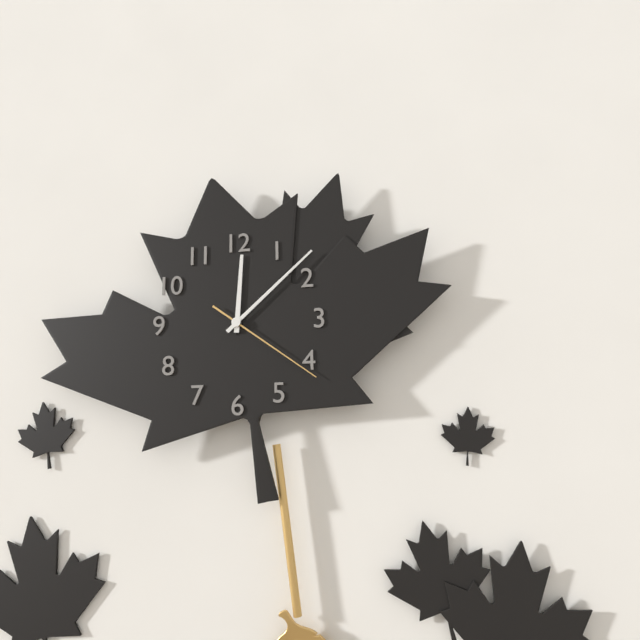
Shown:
12 h 08 min 21 s
